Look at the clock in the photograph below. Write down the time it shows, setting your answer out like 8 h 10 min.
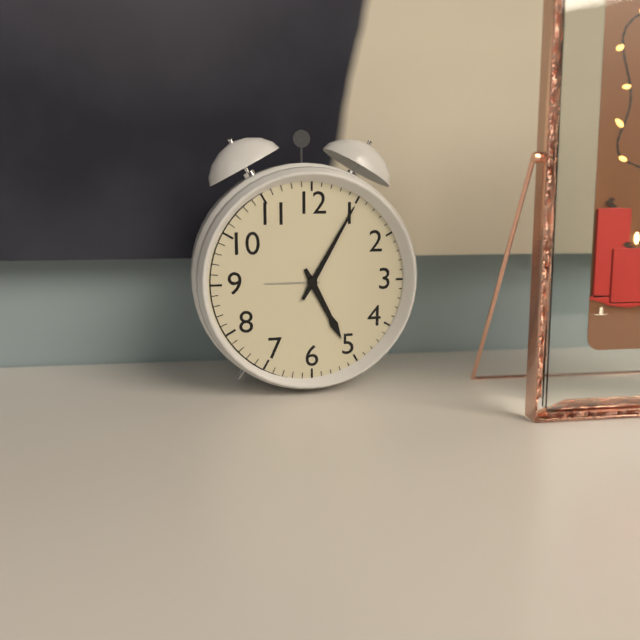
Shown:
5 h 05 min
